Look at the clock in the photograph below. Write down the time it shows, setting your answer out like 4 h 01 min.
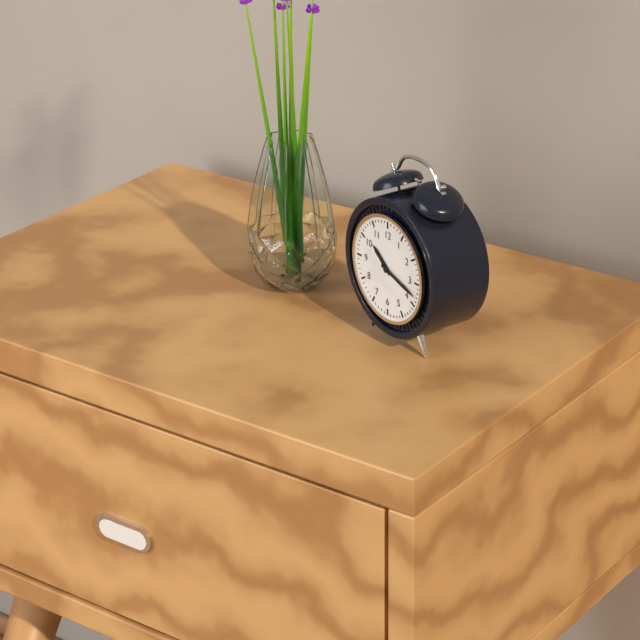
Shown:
10 h 18 min
